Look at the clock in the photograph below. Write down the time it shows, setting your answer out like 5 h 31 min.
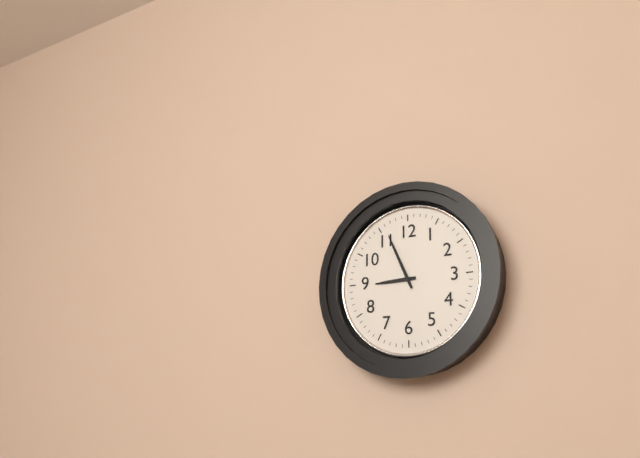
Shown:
8 h 56 min
